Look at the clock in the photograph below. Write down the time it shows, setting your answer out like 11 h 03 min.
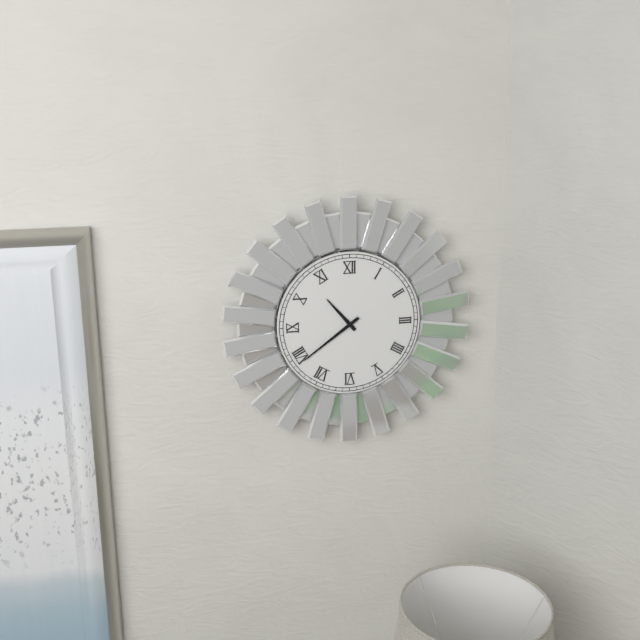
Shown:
10 h 39 min
